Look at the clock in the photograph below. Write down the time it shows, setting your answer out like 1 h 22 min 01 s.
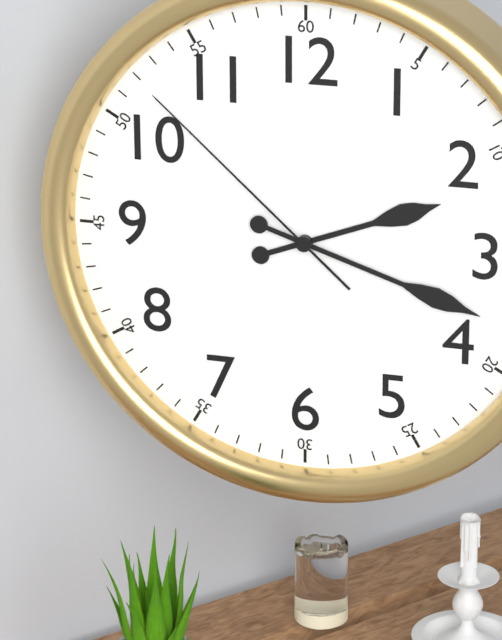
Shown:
2 h 18 min 52 s
